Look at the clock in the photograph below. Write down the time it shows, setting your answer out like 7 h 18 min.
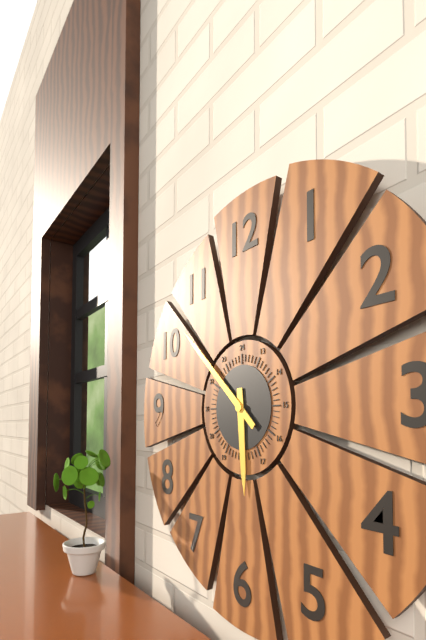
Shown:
5 h 52 min
